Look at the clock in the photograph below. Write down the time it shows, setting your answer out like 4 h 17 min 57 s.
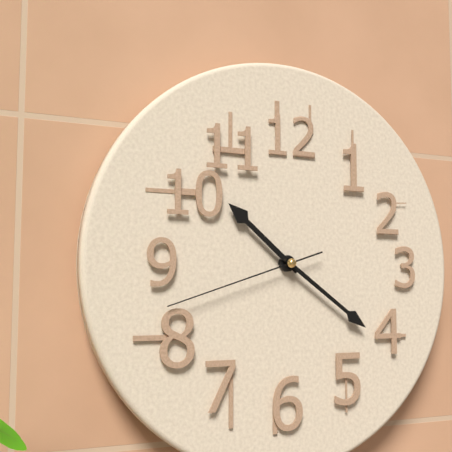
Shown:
10 h 21 min 42 s
